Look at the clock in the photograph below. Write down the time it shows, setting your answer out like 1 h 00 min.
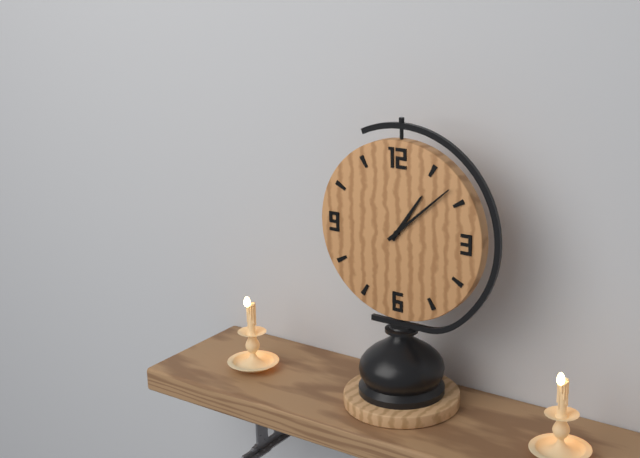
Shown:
1 h 08 min
